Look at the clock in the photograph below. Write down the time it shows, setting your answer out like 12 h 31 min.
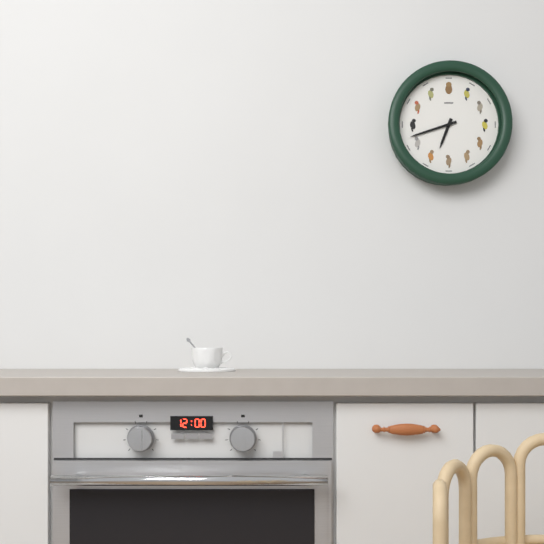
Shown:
6 h 42 min
